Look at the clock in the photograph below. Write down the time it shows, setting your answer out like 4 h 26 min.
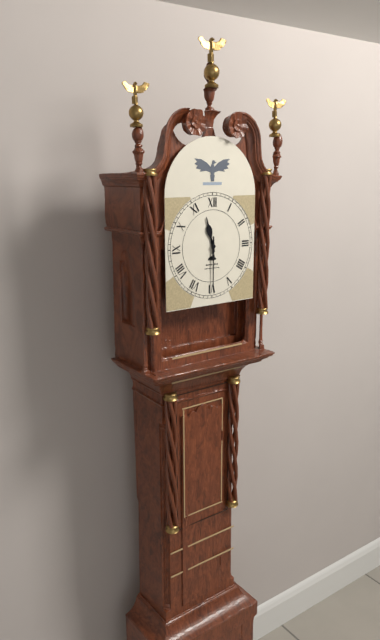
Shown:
11 h 30 min
